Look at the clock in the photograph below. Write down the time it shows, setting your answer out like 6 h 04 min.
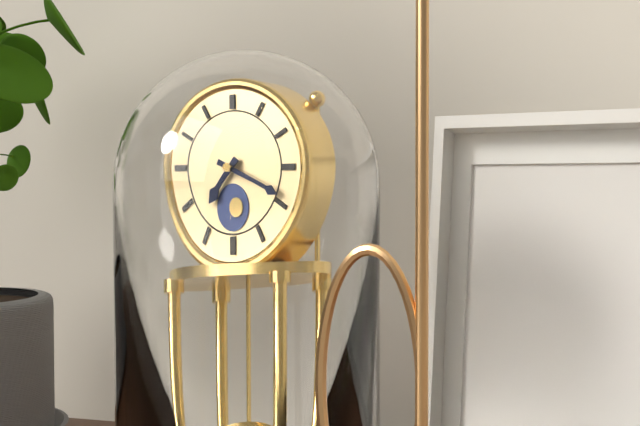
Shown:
7 h 19 min
